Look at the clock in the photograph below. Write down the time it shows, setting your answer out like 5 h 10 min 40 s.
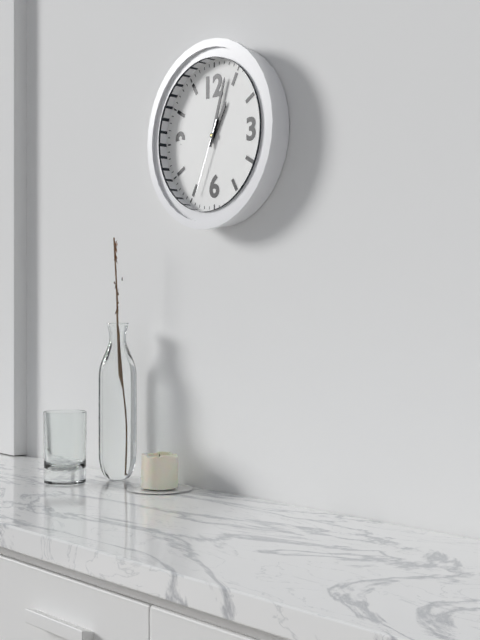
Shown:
1 h 03 min 34 s
